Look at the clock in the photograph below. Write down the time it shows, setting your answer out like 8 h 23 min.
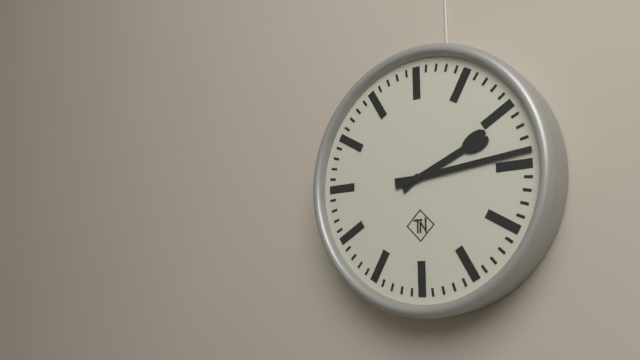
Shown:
2 h 14 min
